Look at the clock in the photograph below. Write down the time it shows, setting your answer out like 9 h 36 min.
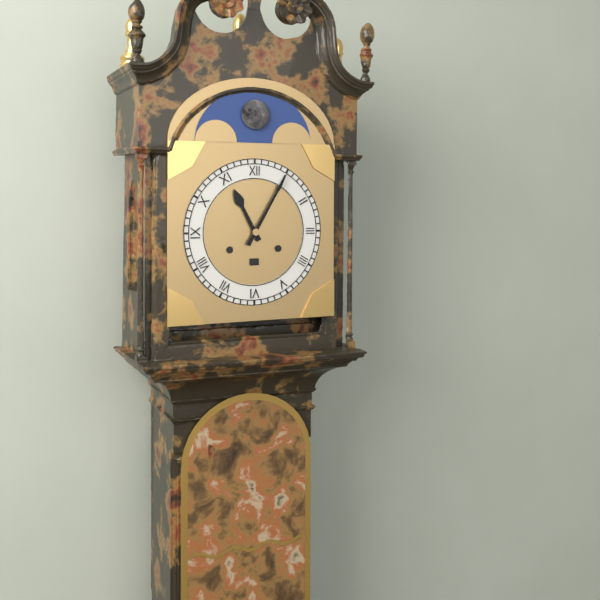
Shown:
11 h 05 min
